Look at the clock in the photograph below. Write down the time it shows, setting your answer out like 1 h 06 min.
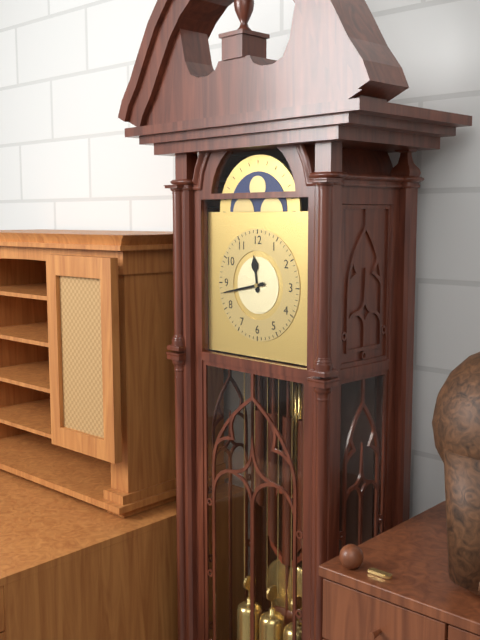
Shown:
11 h 43 min
